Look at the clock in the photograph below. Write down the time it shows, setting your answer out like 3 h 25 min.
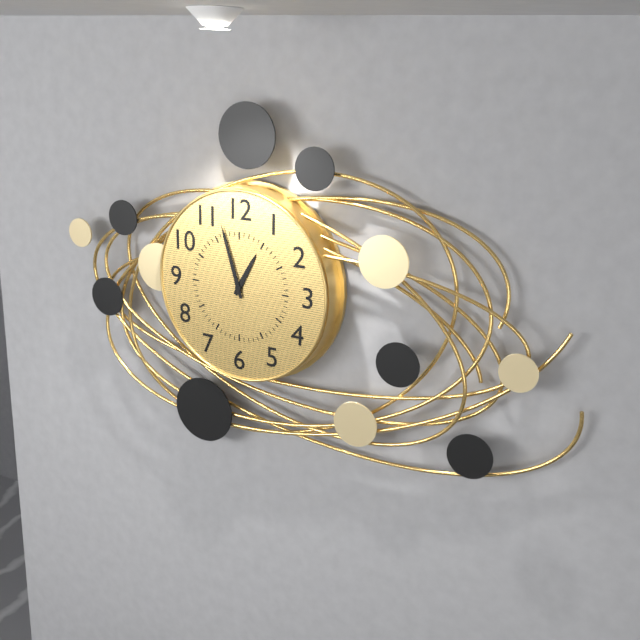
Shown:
12 h 57 min
